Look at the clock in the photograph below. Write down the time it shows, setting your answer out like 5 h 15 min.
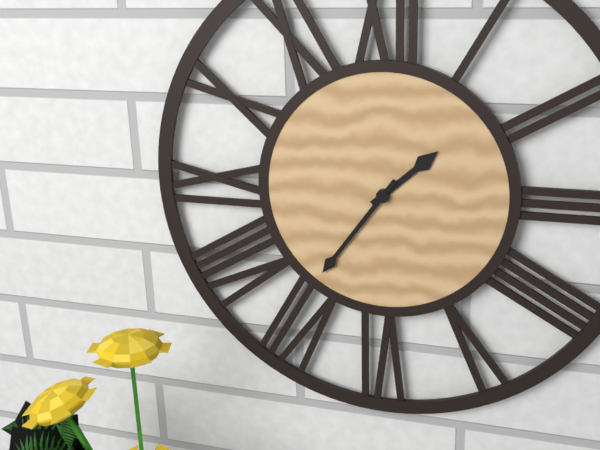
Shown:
1 h 36 min
